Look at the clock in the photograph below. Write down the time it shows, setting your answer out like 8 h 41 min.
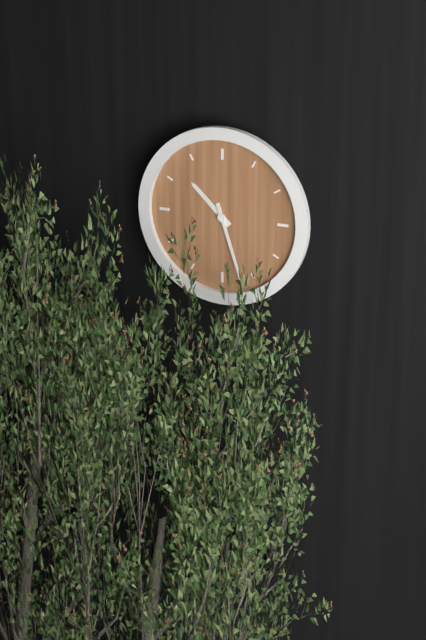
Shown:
10 h 27 min
